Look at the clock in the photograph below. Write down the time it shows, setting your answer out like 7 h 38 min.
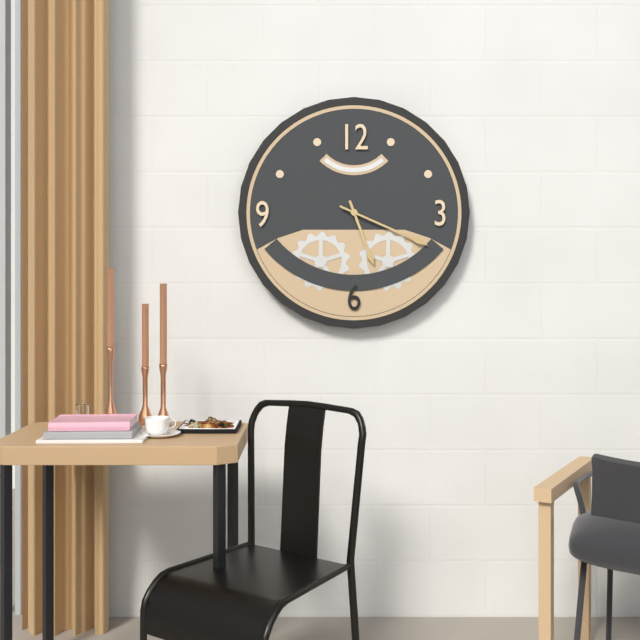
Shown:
5 h 19 min
